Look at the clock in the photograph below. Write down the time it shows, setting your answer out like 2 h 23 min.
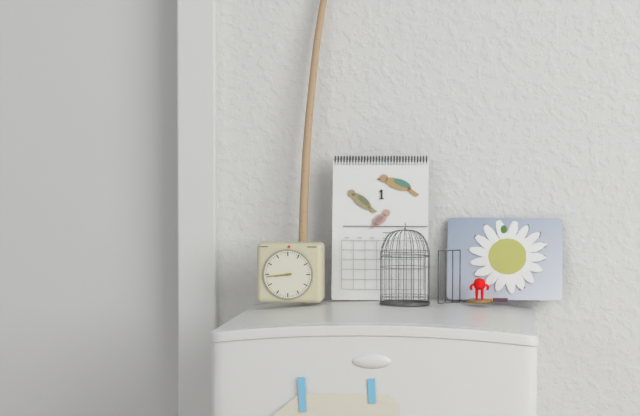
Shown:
8 h 44 min
